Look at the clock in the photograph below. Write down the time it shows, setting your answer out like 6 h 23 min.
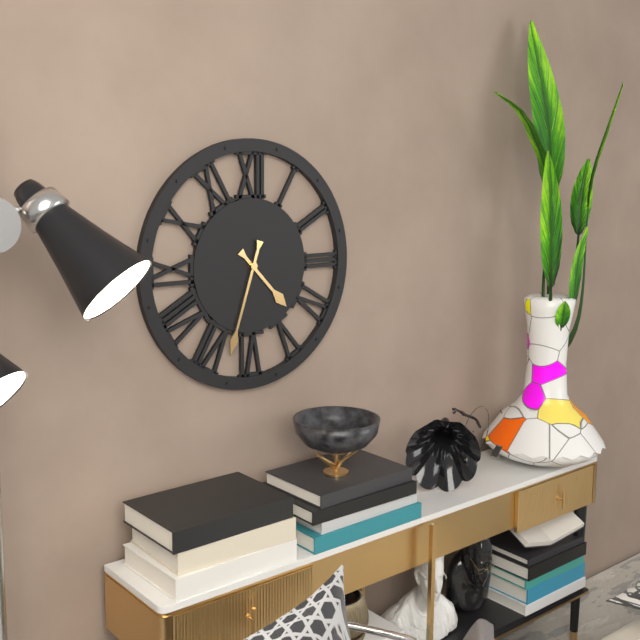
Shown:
4 h 33 min
